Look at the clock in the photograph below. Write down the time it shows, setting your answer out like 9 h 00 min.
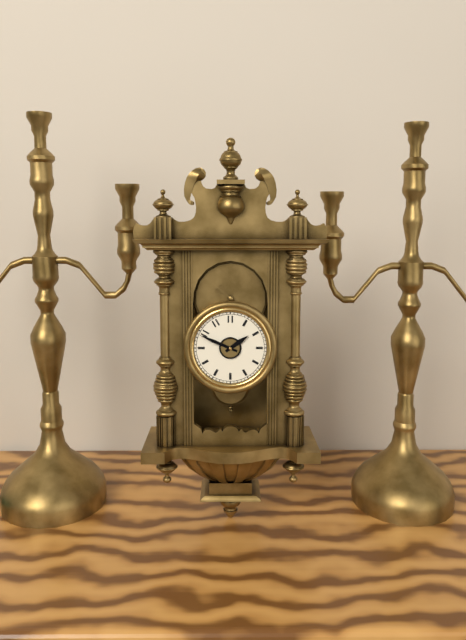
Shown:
1 h 49 min
